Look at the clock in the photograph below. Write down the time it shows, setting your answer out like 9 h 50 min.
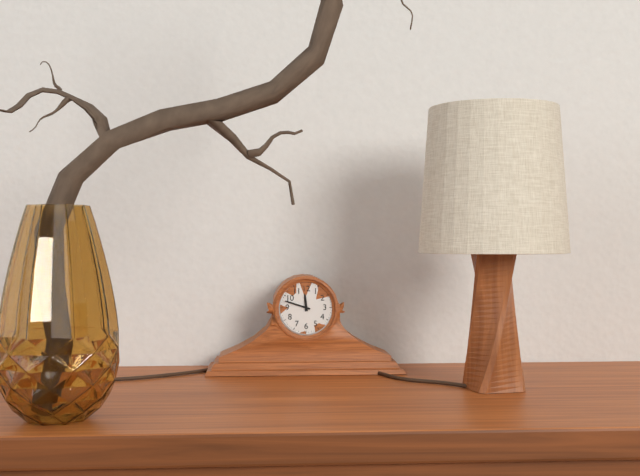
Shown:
11 h 48 min
